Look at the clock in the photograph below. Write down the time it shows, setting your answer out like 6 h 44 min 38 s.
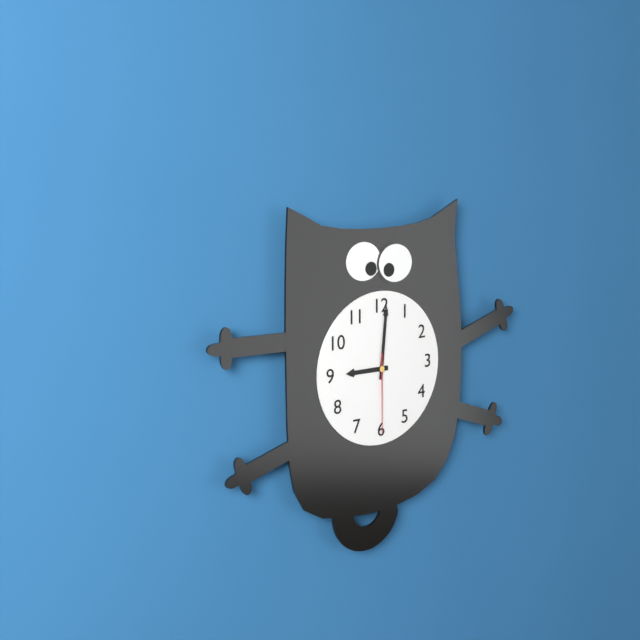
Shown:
9 h 01 min 30 s
